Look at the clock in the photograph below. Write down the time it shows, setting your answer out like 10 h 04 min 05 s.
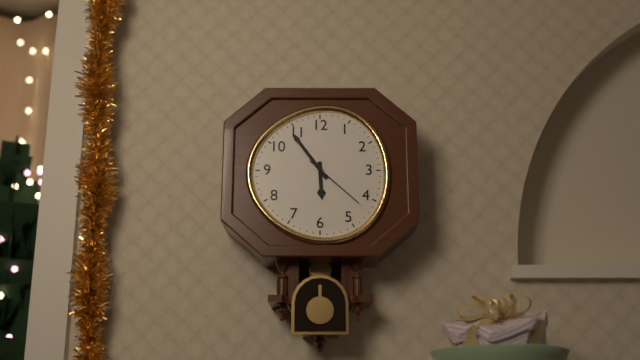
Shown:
5 h 54 min 22 s
